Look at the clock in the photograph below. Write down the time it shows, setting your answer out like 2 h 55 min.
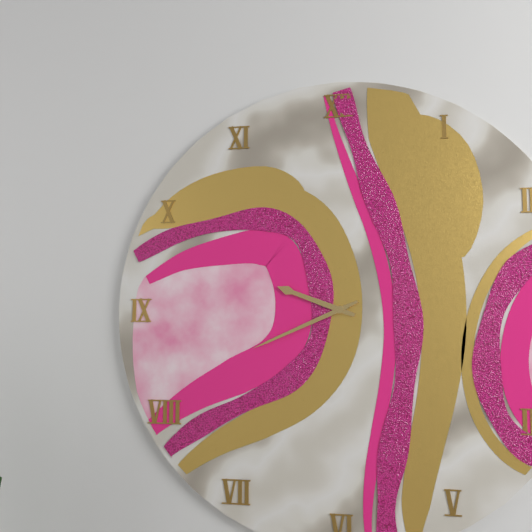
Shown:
9 h 41 min
